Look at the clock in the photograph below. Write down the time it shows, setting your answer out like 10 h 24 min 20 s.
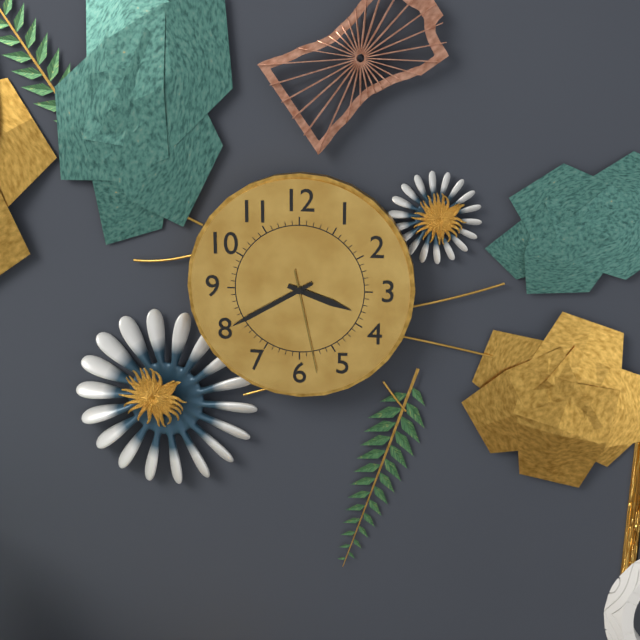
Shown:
3 h 40 min 28 s
